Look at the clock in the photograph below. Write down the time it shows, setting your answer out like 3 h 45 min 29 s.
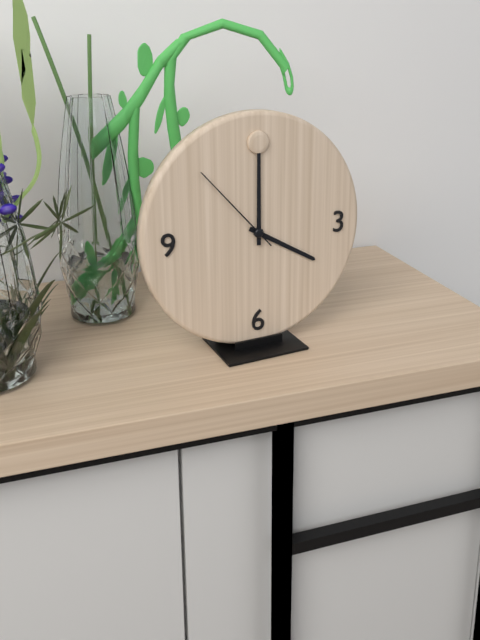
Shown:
4 h 00 min 53 s
